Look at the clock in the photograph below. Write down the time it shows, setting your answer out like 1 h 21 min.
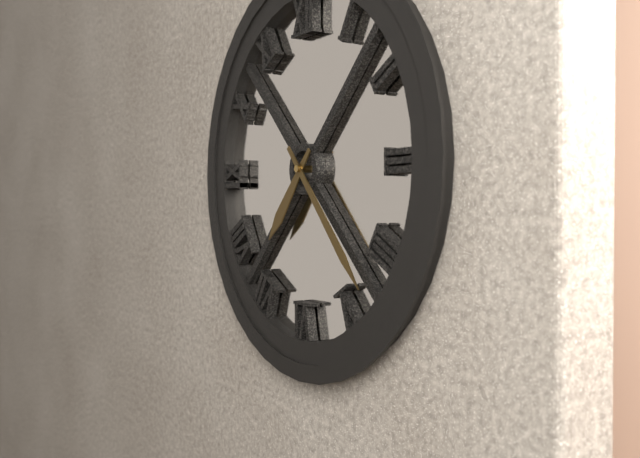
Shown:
7 h 23 min
